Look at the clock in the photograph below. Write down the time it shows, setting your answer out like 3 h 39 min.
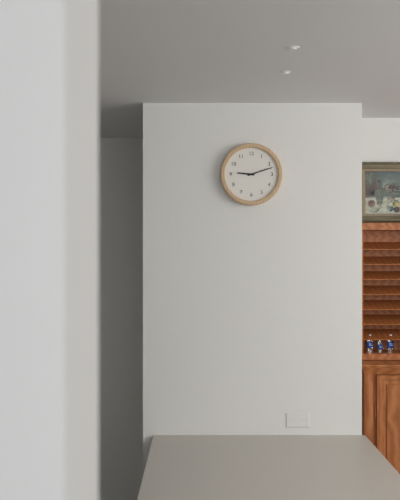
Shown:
9 h 12 min
